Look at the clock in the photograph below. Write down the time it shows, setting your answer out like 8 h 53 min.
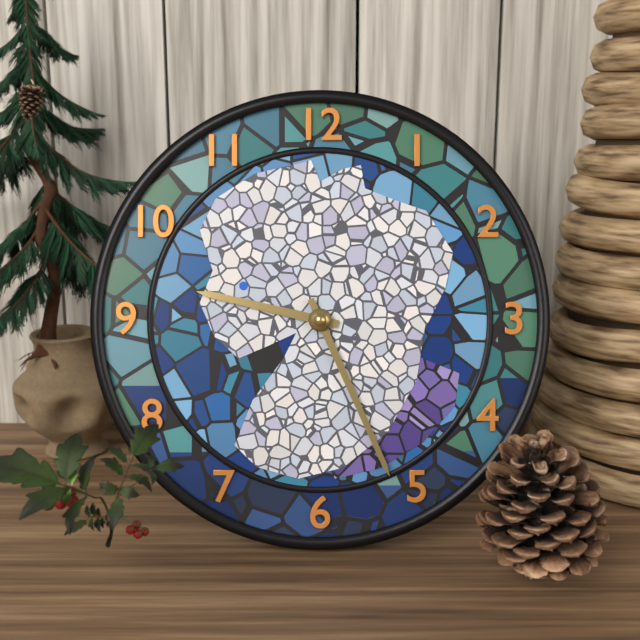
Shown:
9 h 26 min
